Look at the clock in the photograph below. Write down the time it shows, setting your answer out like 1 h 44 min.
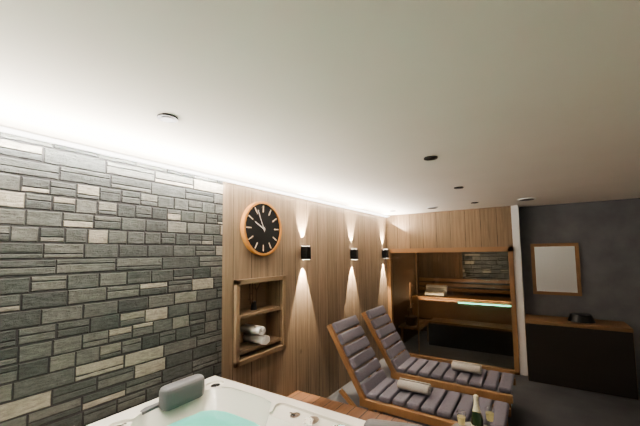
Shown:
9 h 56 min
